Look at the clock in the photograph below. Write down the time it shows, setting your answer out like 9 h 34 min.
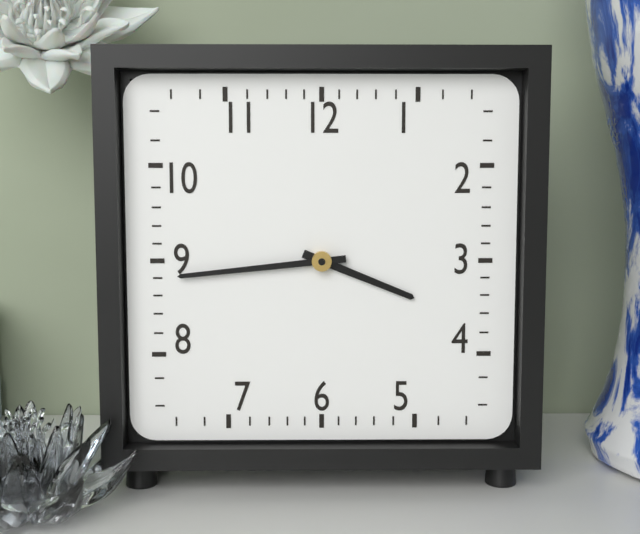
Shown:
3 h 44 min
